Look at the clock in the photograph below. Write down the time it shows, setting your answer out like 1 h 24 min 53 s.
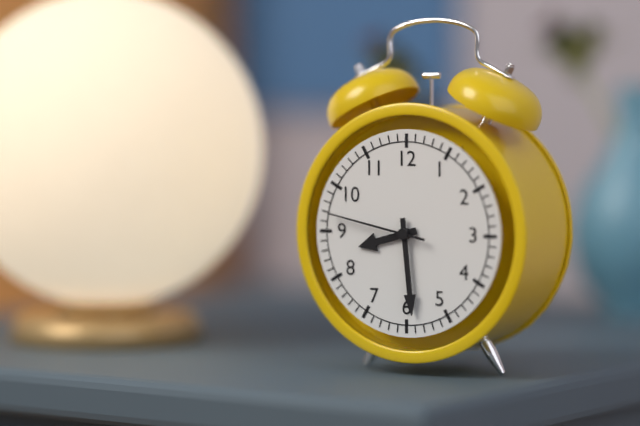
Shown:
8 h 29 min 47 s
